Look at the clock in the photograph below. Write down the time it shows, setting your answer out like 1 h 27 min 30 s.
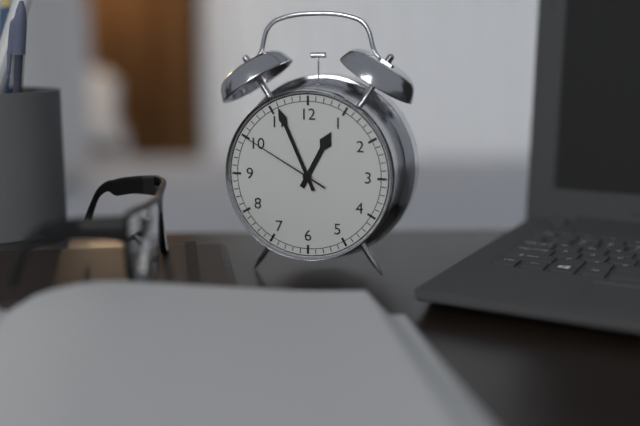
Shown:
12 h 56 min 50 s
